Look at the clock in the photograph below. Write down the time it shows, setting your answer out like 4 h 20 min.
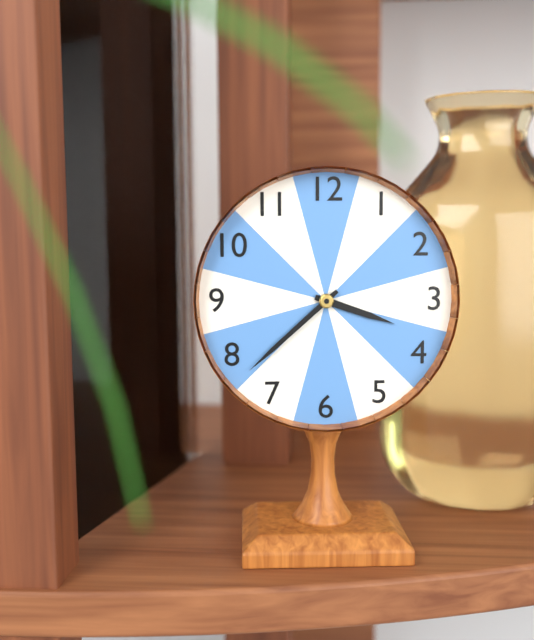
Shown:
3 h 38 min
